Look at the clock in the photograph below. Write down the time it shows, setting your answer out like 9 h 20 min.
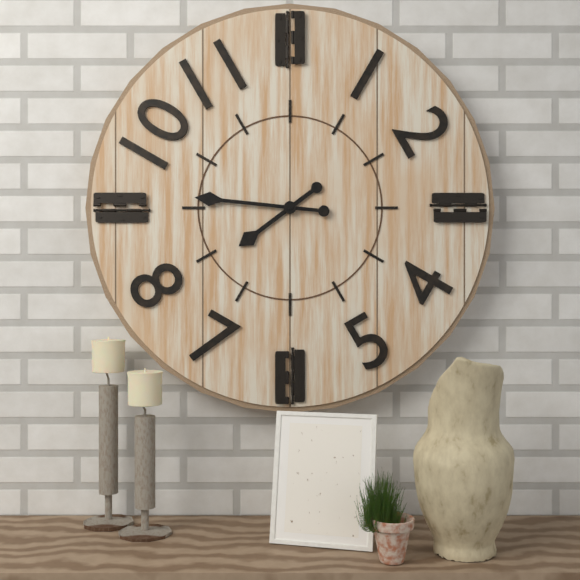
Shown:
7 h 46 min
